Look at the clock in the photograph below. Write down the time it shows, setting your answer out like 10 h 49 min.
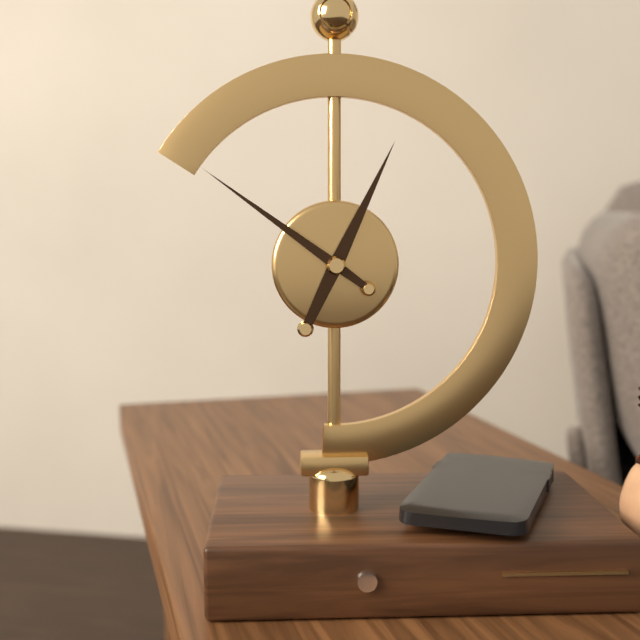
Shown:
12 h 51 min
